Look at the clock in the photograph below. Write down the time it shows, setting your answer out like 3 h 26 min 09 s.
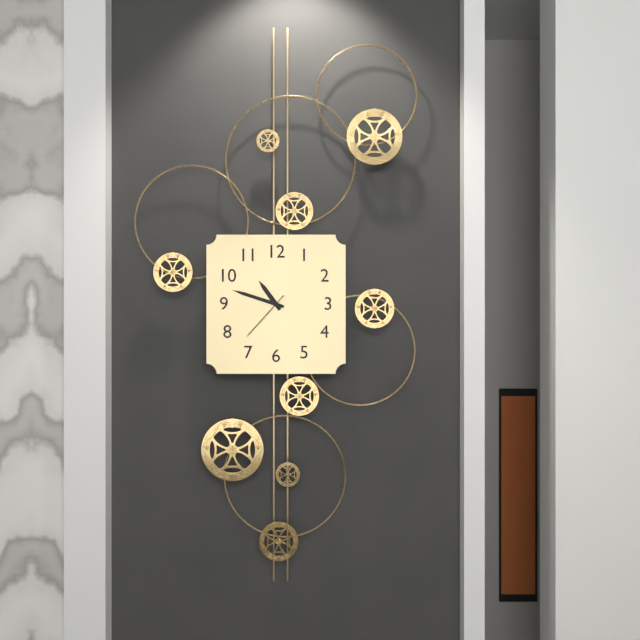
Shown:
10 h 48 min 37 s
